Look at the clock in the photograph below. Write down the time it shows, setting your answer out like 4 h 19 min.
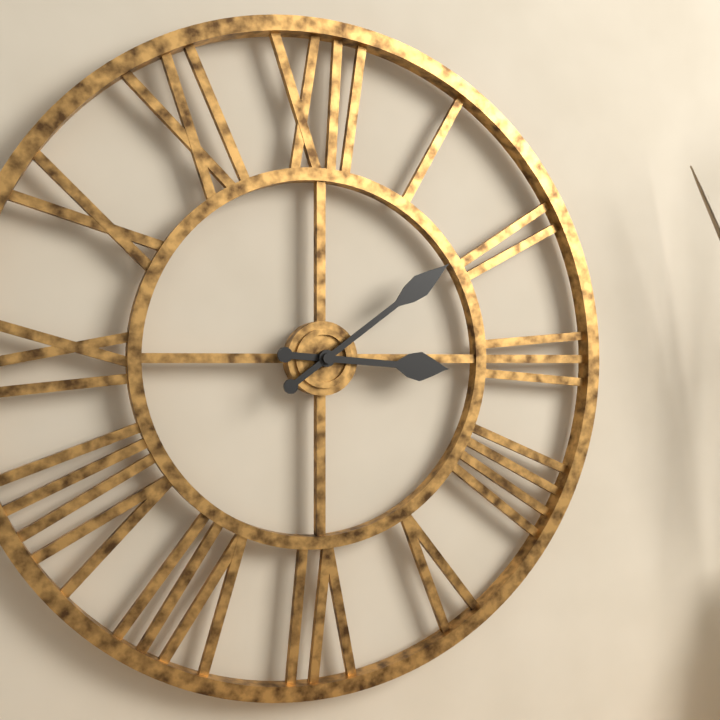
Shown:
3 h 09 min
